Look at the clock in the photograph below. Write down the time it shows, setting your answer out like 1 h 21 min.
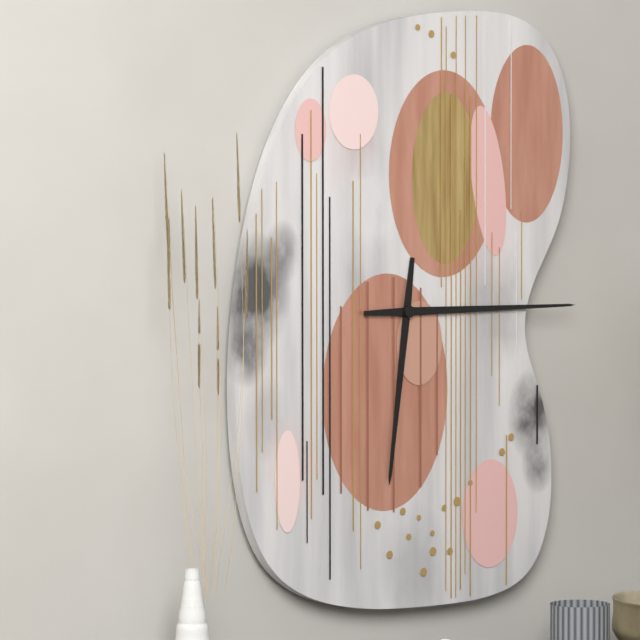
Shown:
6 h 15 min
